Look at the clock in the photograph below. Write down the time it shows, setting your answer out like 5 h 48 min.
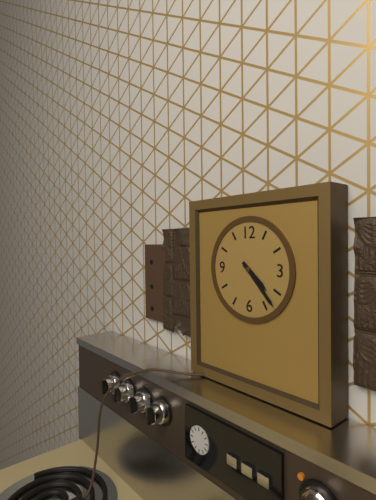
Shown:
4 h 23 min
